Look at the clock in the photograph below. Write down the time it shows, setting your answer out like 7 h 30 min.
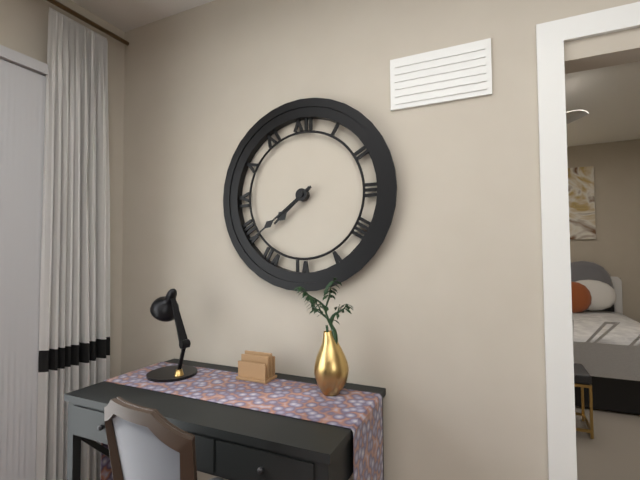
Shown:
7 h 39 min
